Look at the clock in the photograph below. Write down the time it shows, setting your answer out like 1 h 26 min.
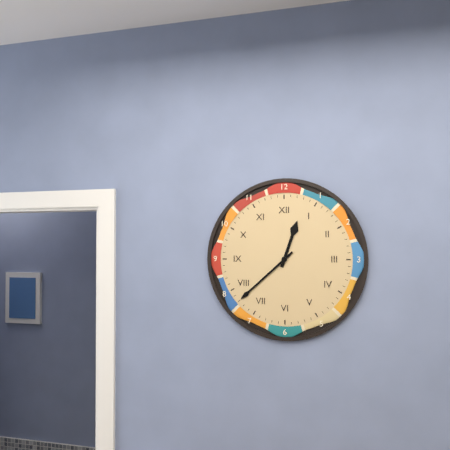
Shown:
12 h 38 min
